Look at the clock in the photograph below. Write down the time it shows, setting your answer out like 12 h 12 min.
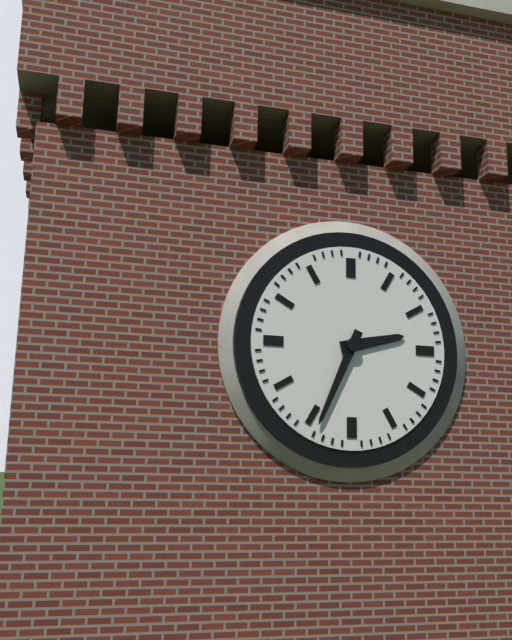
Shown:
2 h 34 min
